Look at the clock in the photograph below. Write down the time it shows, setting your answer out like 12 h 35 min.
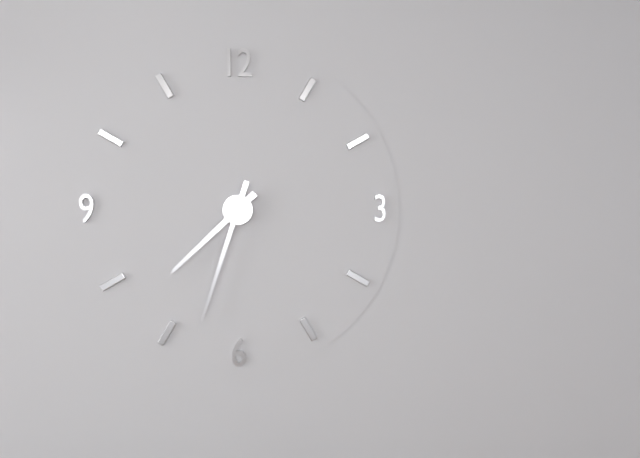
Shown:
7 h 33 min
